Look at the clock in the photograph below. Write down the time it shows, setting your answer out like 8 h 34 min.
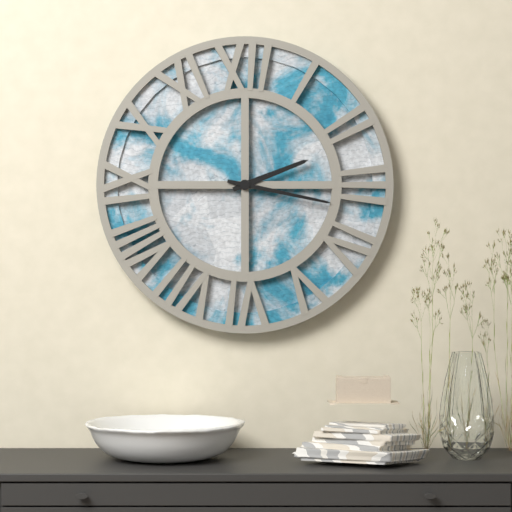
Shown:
2 h 17 min
